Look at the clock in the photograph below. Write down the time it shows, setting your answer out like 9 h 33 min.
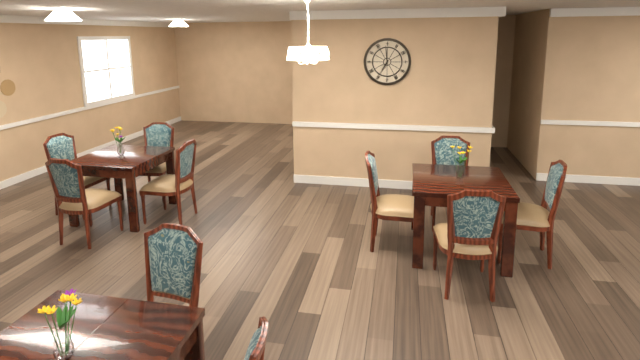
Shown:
6 h 59 min
